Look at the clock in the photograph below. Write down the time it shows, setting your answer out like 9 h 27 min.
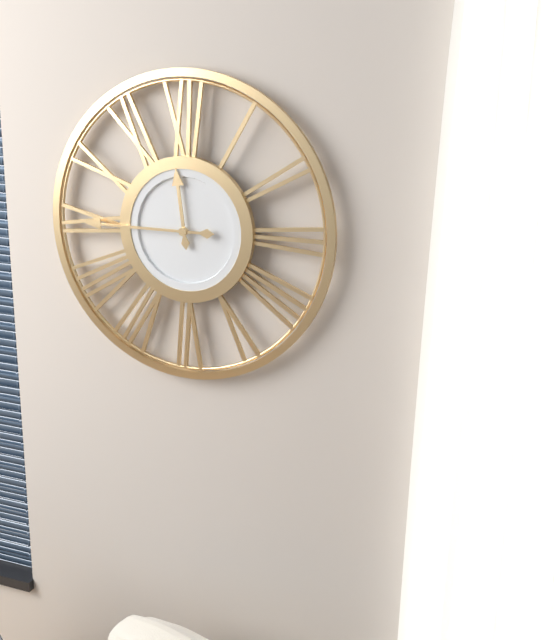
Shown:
11 h 45 min
